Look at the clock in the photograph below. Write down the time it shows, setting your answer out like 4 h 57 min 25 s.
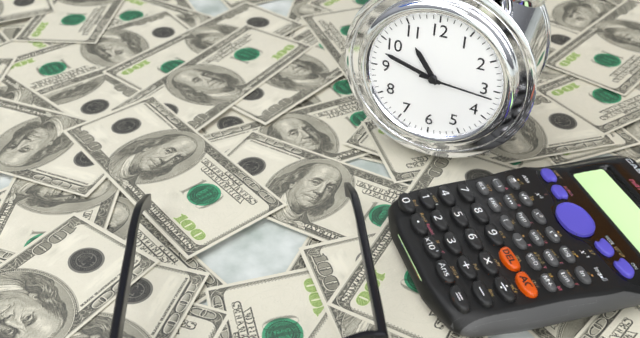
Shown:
10 h 48 min 16 s
